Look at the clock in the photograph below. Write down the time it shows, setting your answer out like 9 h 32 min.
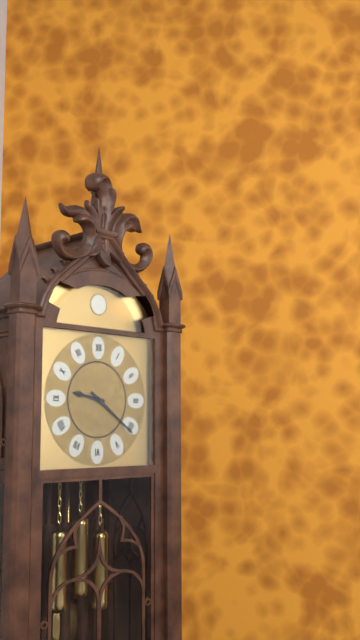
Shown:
9 h 21 min
